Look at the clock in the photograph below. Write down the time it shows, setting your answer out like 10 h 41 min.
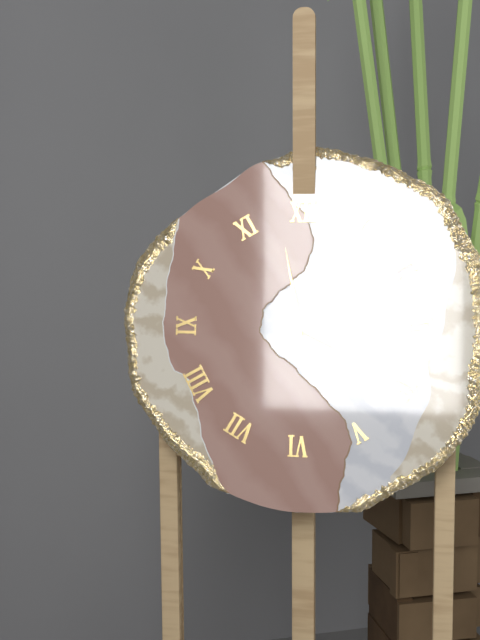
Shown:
3 h 58 min
